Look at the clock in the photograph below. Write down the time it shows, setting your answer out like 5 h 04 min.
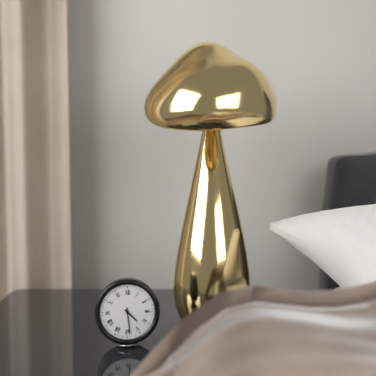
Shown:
4 h 29 min
